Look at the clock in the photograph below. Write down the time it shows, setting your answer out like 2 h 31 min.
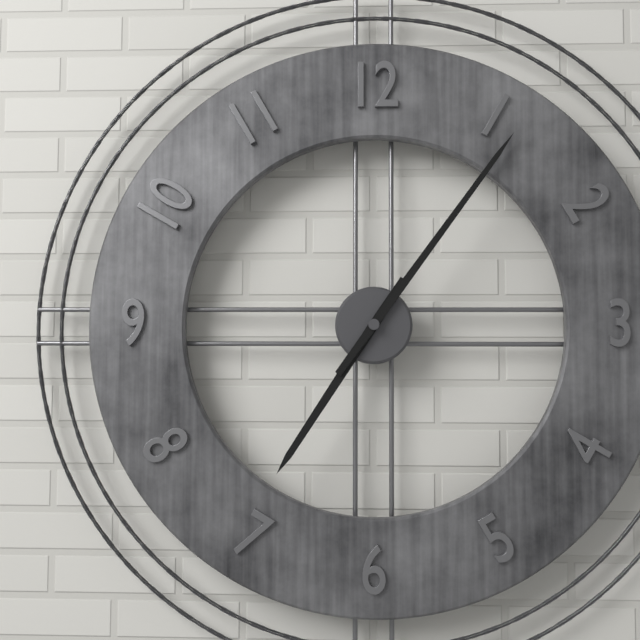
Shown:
7 h 06 min
